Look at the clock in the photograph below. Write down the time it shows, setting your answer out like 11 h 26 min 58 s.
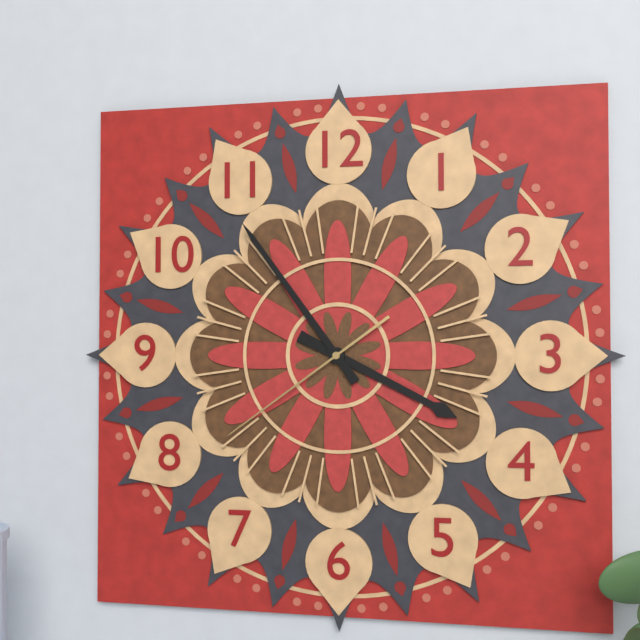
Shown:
3 h 54 min 39 s
